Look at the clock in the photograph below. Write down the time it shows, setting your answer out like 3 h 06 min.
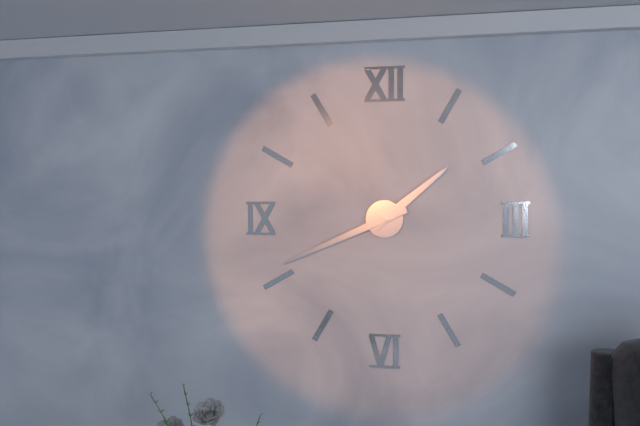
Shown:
1 h 41 min
